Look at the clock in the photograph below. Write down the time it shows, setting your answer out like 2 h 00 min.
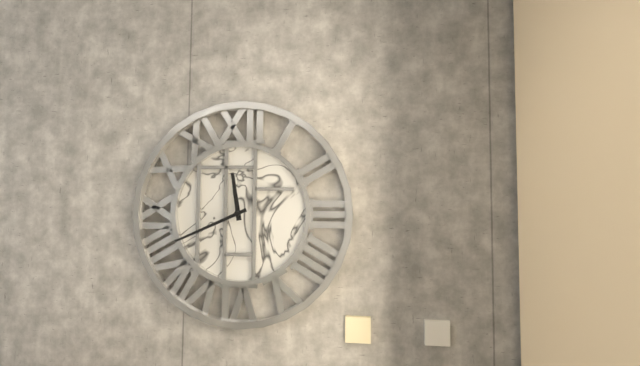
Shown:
11 h 41 min
